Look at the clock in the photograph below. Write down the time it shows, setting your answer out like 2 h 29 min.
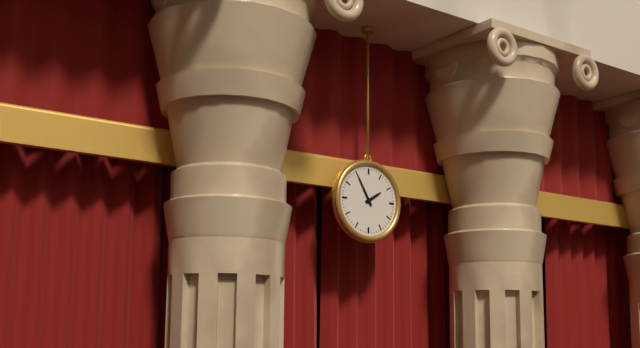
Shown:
1 h 55 min
